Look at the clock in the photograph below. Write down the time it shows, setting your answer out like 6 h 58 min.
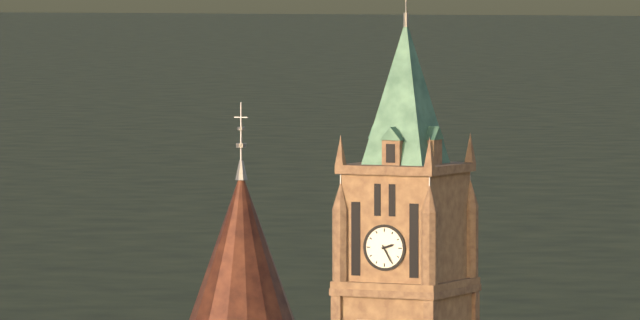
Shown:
2 h 25 min
